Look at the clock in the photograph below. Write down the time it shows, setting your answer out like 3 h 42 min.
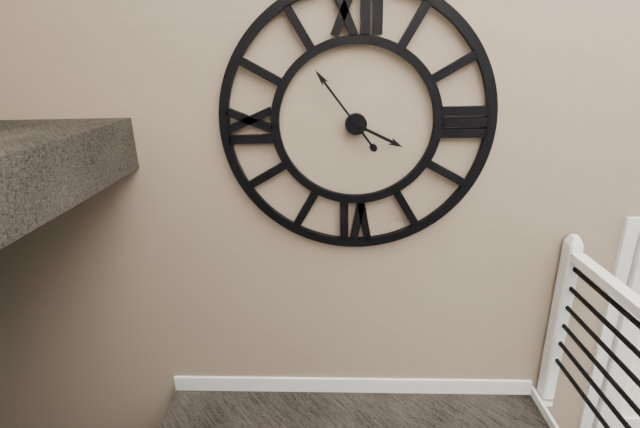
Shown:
3 h 54 min
